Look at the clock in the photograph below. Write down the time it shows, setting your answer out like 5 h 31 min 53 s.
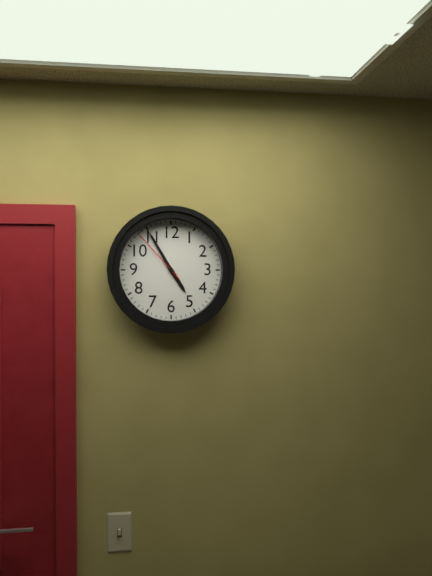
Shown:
4 h 55 min 53 s
